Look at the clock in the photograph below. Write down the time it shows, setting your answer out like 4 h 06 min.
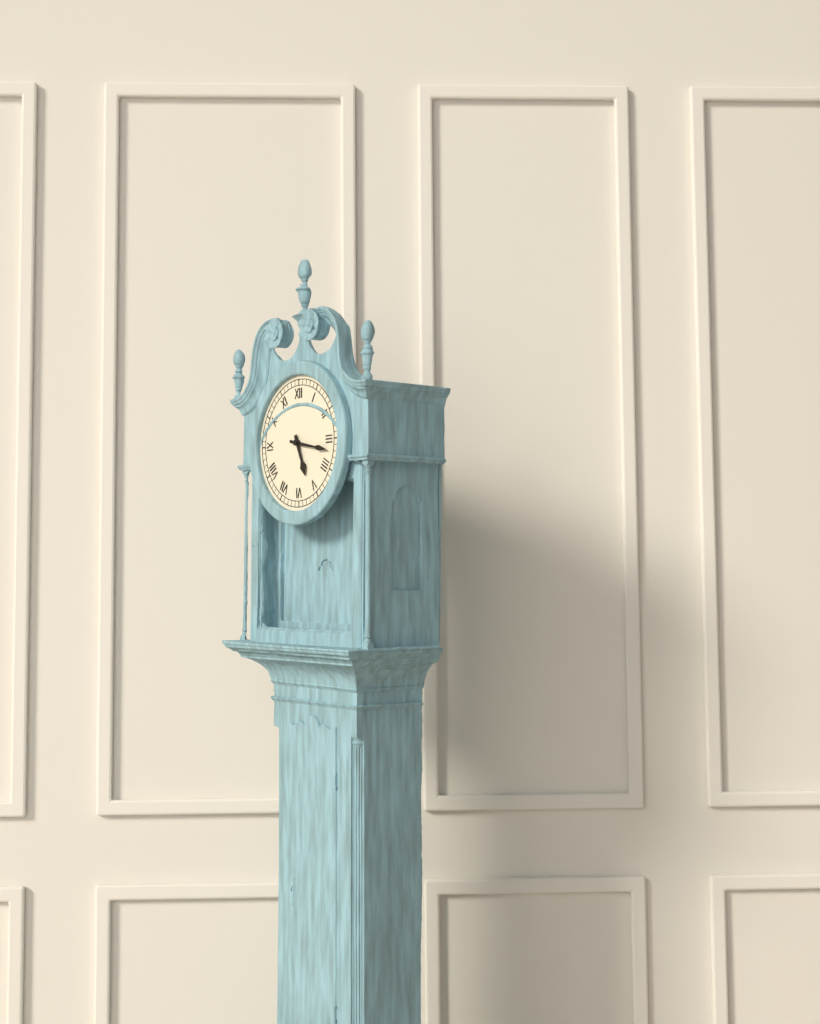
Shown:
5 h 17 min
